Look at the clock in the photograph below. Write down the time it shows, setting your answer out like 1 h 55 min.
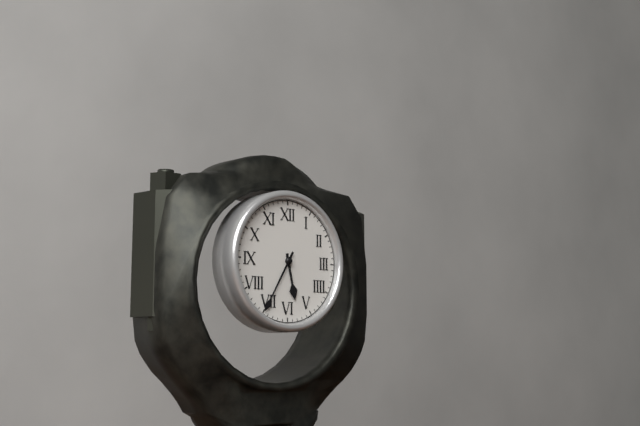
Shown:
5 h 35 min
